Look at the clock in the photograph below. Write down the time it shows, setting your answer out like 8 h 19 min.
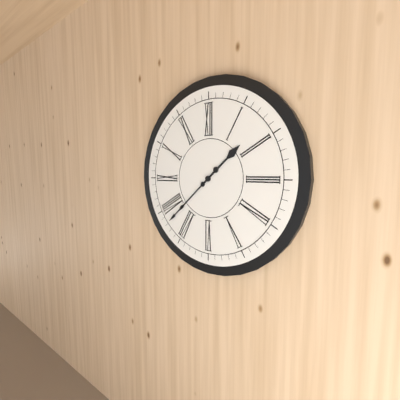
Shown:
1 h 38 min
